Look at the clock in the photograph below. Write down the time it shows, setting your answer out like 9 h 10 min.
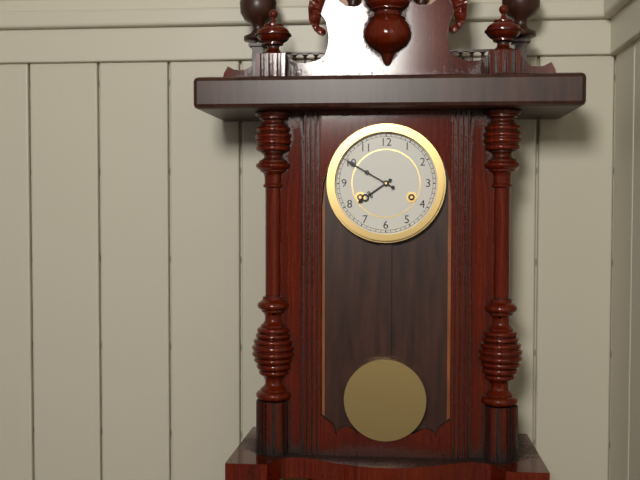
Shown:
7 h 50 min
